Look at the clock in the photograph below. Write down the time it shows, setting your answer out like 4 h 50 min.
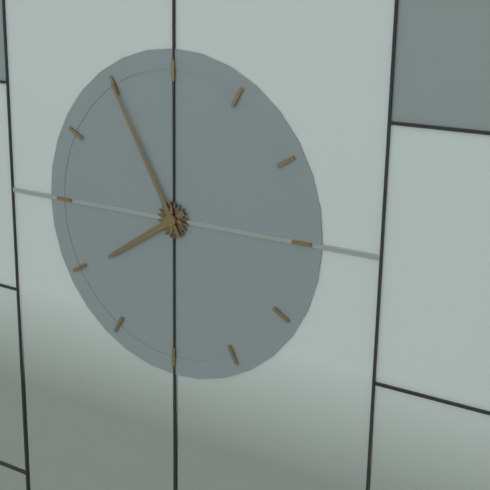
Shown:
7 h 55 min
